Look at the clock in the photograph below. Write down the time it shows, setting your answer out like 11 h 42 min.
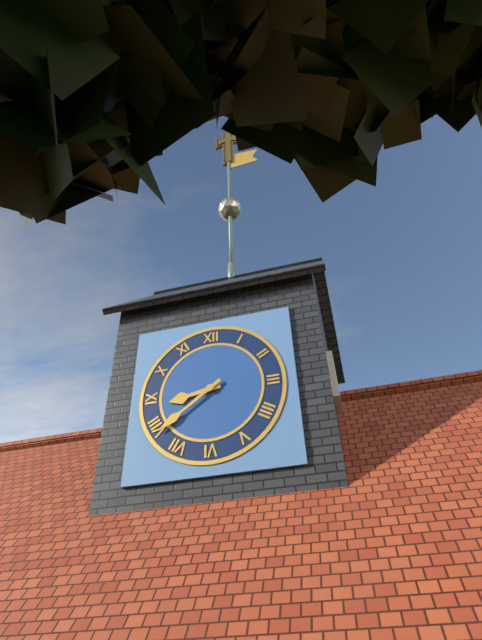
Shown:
8 h 39 min
